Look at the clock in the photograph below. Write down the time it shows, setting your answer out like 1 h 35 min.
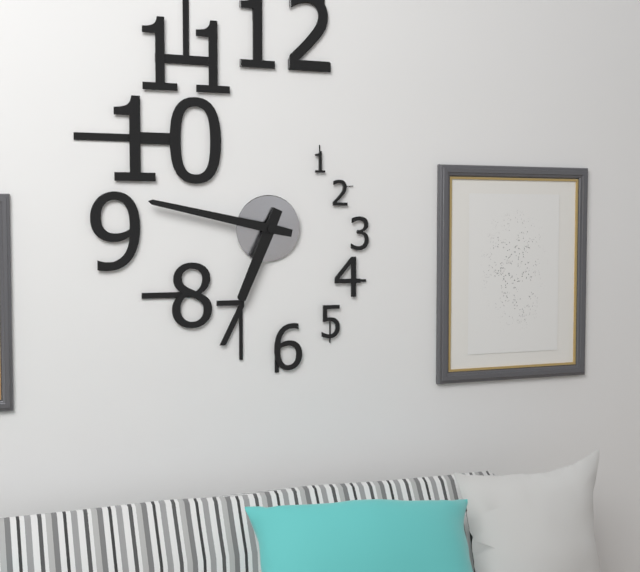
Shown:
6 h 47 min
